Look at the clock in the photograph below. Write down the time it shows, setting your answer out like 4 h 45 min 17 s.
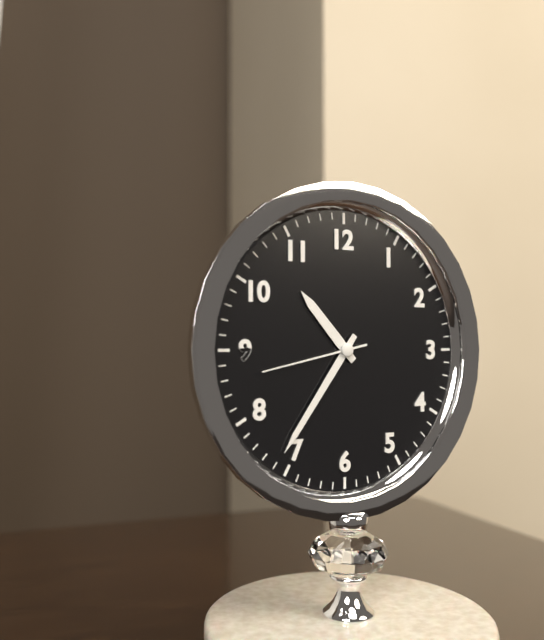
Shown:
10 h 36 min 43 s
